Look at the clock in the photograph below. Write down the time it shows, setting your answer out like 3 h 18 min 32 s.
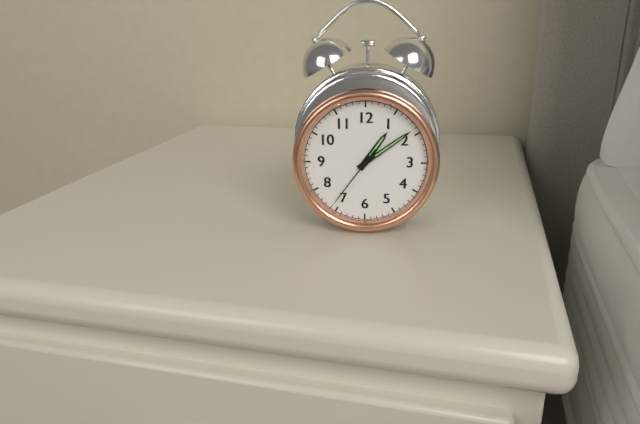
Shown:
1 h 09 min 36 s
